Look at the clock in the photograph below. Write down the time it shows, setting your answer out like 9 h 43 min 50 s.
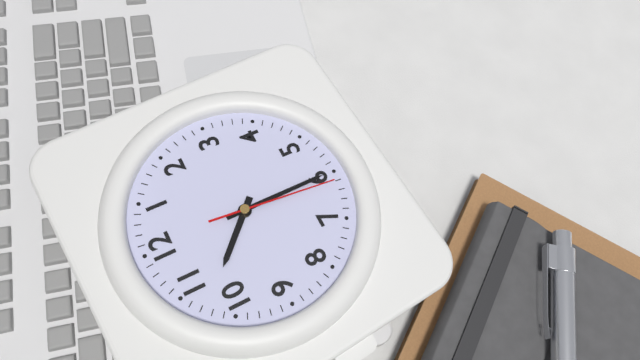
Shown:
10 h 30 min 31 s
